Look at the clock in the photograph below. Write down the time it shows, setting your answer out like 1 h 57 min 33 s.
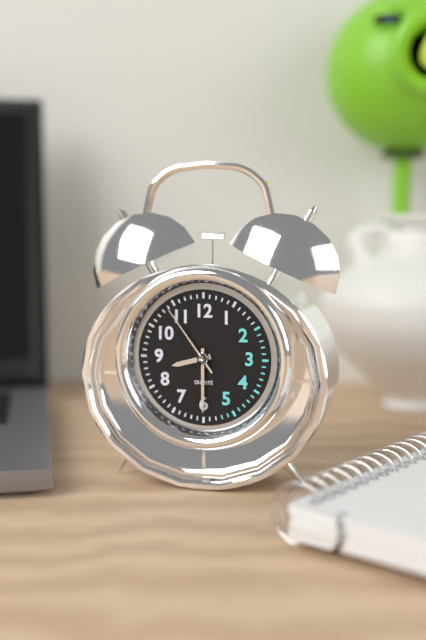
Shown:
8 h 30 min 54 s
